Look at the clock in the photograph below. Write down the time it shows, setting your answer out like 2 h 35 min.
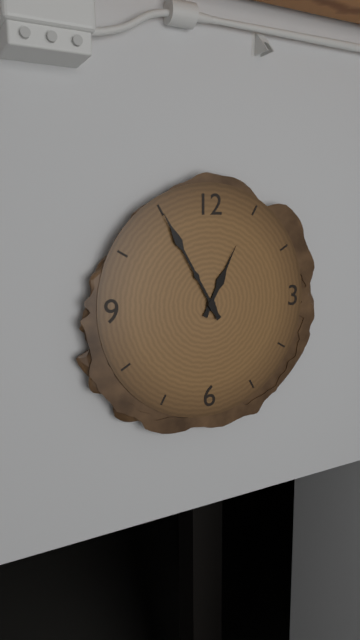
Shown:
12 h 55 min
